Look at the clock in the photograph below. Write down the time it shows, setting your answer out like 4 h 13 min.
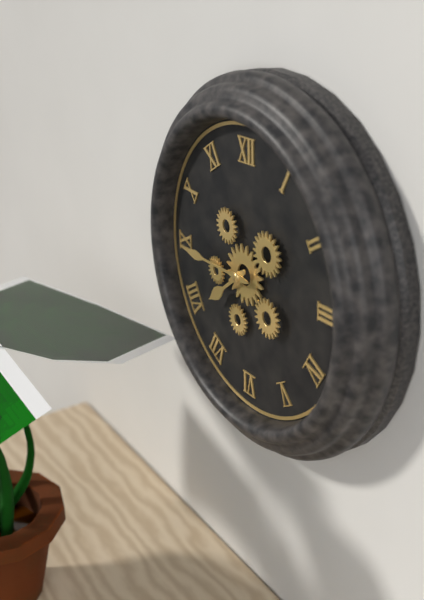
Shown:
7 h 45 min
